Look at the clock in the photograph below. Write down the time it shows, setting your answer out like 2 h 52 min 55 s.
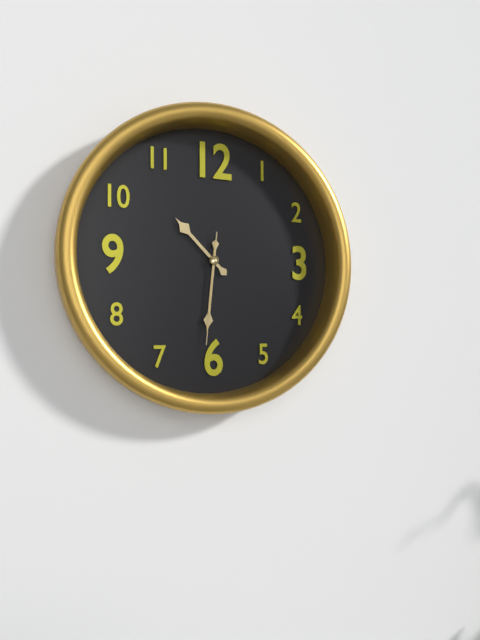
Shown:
10 h 31 min 31 s
